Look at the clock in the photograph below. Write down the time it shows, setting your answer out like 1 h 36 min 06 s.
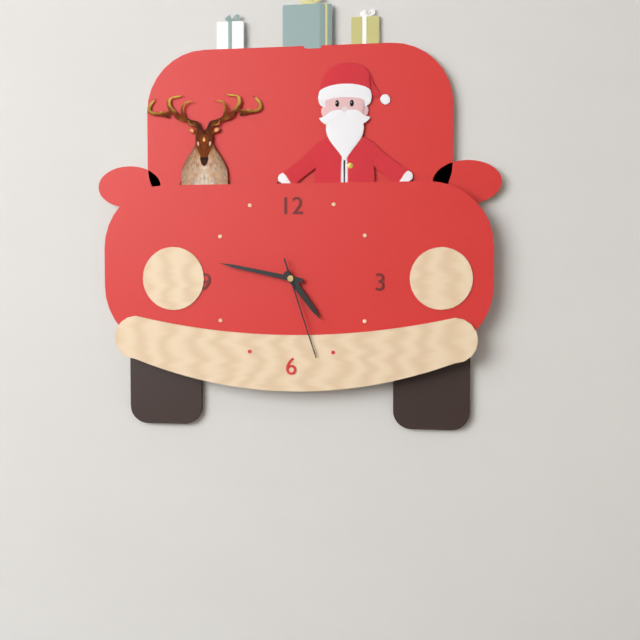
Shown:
4 h 47 min 27 s
